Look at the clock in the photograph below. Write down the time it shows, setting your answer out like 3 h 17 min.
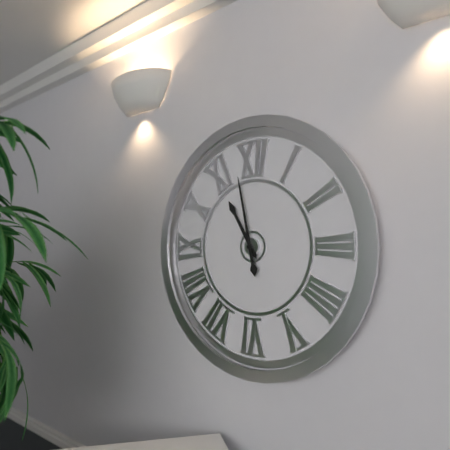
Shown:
10 h 58 min
